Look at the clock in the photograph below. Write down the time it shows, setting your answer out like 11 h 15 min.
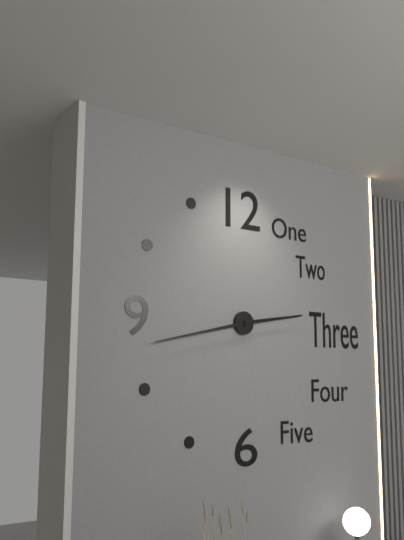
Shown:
2 h 43 min
